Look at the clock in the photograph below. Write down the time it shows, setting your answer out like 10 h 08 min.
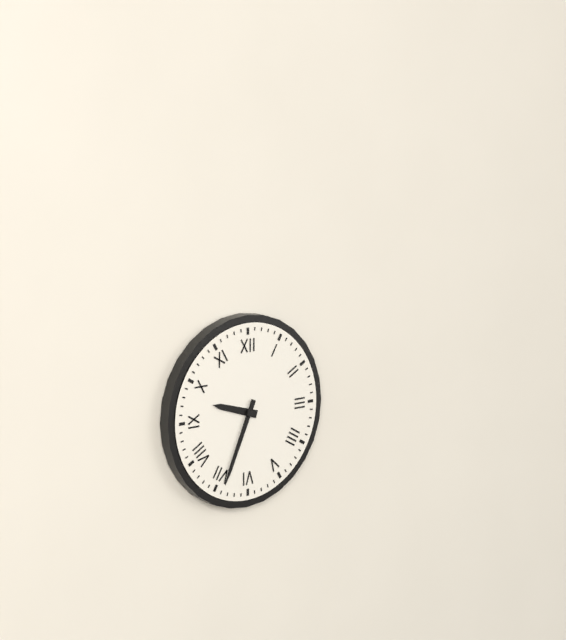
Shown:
9 h 34 min
